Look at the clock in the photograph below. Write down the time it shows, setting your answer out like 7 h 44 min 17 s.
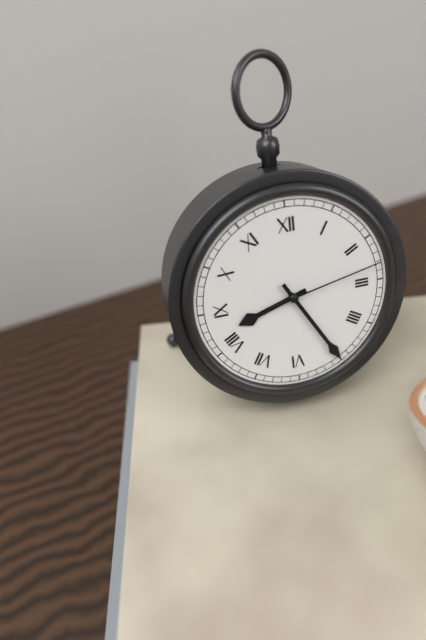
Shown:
8 h 25 min 13 s
